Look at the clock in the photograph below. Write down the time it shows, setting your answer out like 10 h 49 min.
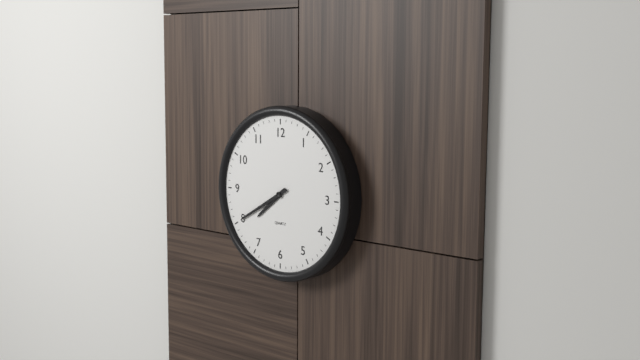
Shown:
7 h 40 min
